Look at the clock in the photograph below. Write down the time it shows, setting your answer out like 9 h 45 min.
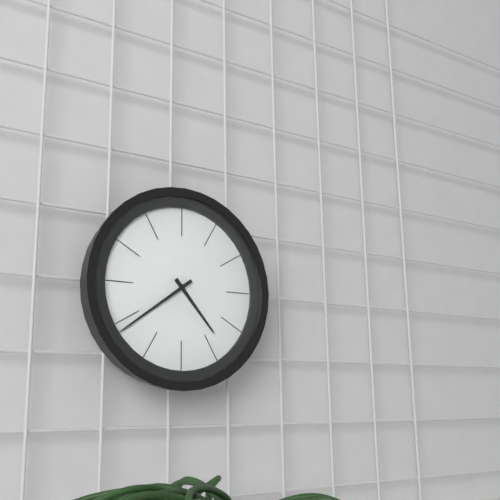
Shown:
4 h 39 min
